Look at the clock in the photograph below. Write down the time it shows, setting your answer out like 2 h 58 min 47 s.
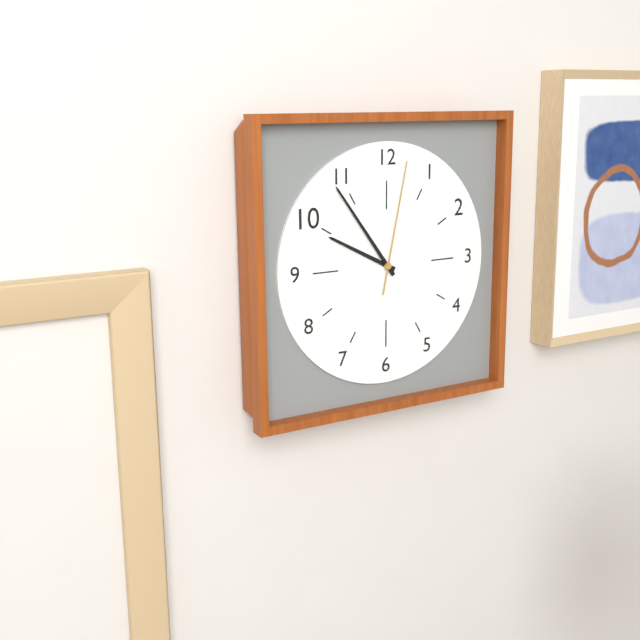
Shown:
9 h 54 min 02 s
